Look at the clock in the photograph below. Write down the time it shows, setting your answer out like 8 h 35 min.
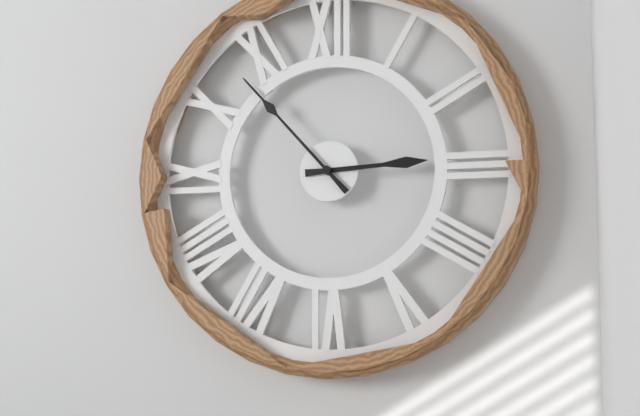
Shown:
2 h 53 min
